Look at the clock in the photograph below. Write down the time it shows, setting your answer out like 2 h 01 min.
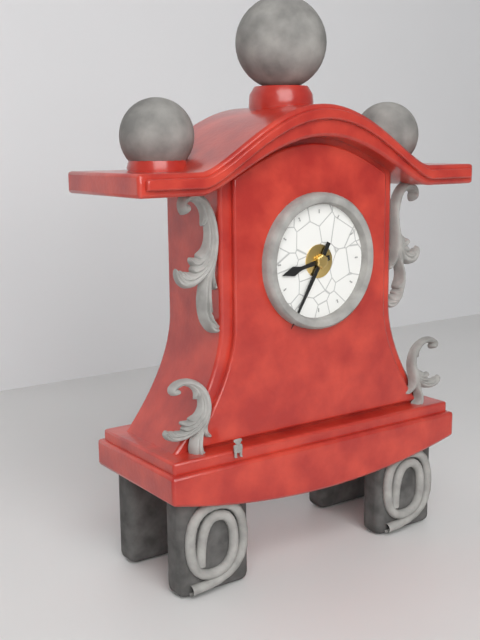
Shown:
8 h 35 min
